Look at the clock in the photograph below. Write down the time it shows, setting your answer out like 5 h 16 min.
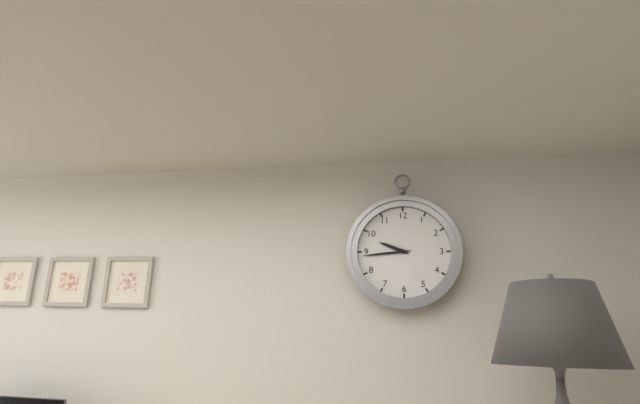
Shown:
9 h 44 min
